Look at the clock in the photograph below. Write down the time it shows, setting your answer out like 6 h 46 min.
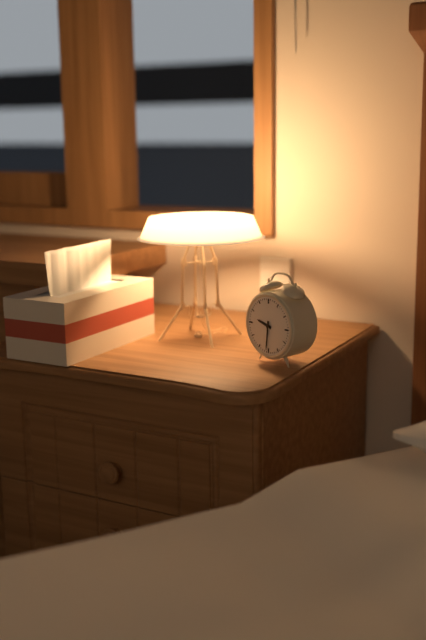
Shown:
9 h 31 min
